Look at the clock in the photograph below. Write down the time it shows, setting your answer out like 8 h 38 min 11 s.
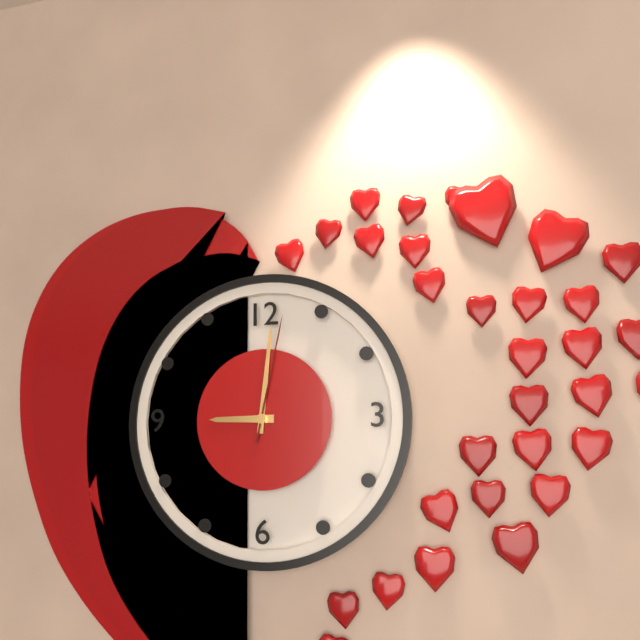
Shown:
9 h 01 min 02 s
